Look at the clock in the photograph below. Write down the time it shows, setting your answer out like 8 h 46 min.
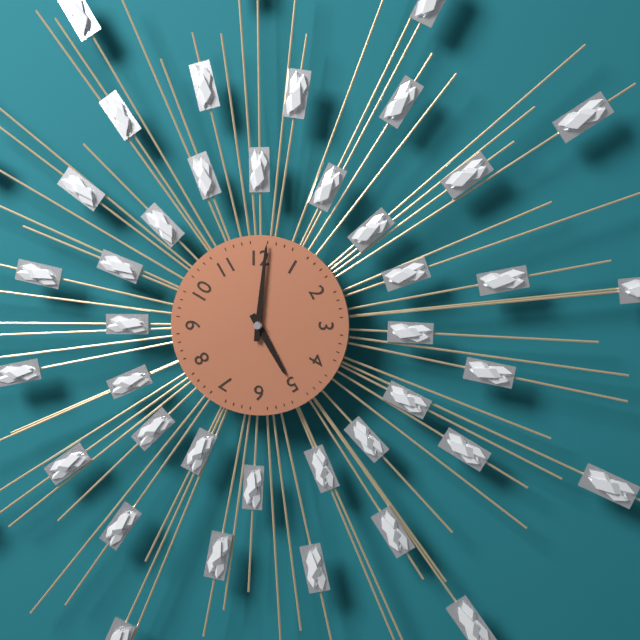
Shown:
5 h 01 min
